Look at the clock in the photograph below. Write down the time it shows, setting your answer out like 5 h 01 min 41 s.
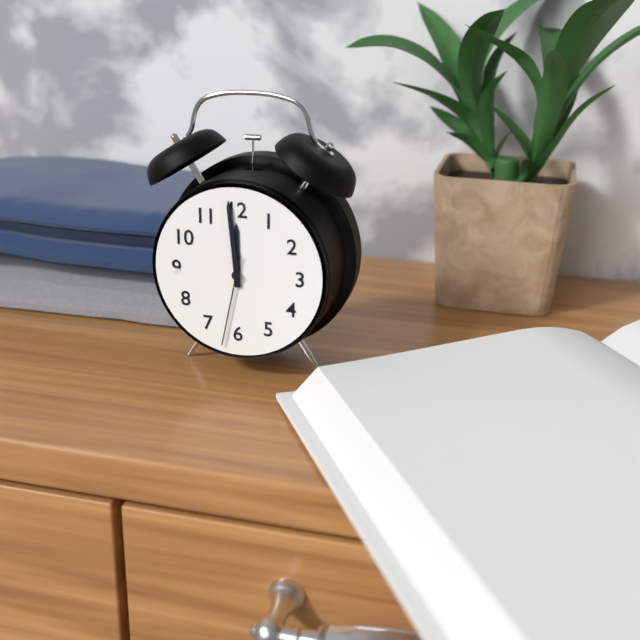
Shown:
11 h 59 min 32 s
